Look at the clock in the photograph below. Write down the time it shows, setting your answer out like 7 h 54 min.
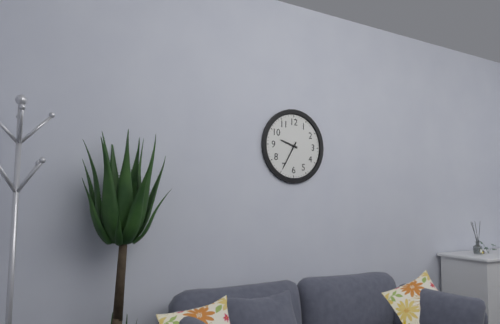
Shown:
9 h 35 min
